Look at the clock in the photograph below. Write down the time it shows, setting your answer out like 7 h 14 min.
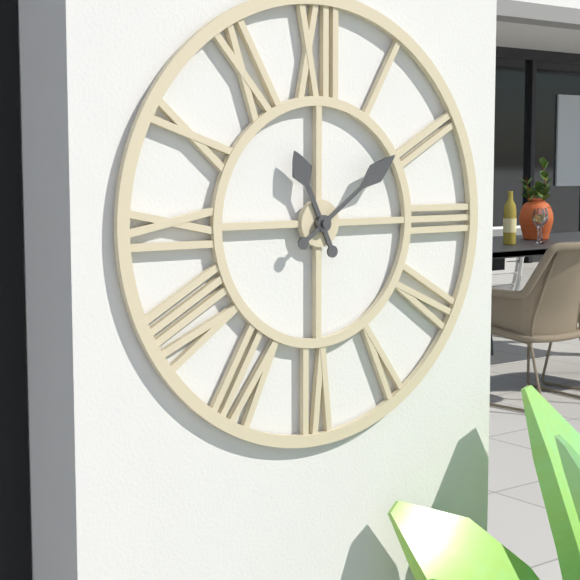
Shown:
11 h 09 min
